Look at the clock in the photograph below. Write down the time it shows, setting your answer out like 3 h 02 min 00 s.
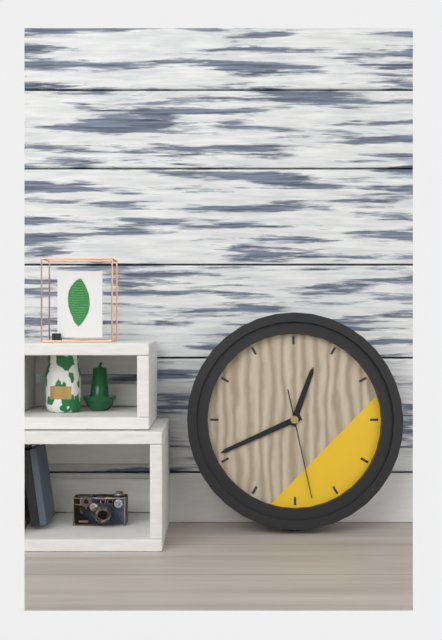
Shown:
12 h 41 min 28 s
